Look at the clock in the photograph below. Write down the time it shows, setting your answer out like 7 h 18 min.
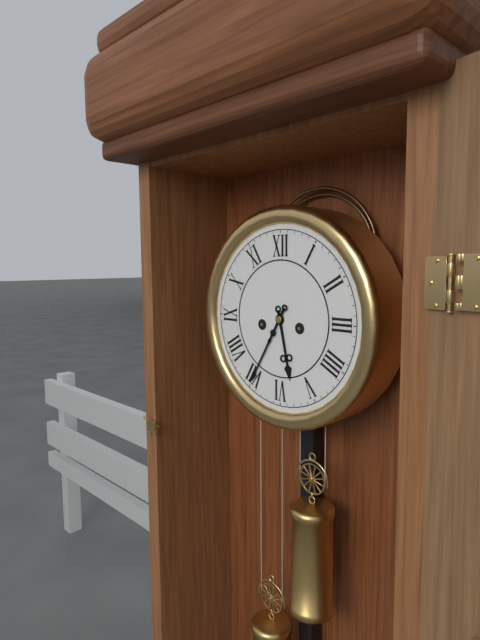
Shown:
5 h 35 min
